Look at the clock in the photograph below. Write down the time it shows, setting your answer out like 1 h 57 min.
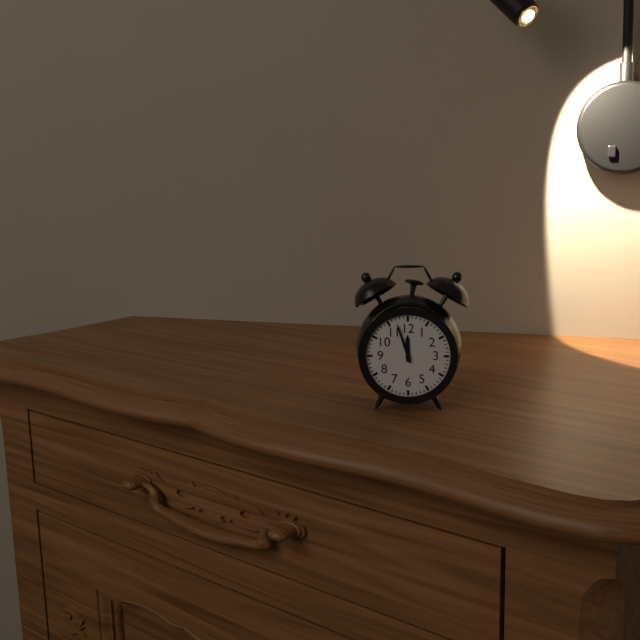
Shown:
11 h 57 min
